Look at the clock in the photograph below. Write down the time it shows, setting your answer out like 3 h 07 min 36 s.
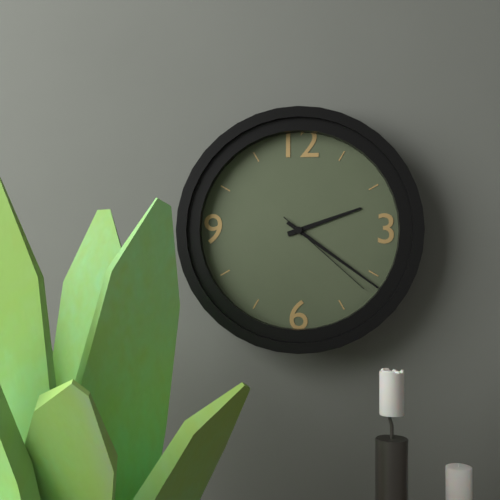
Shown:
2 h 21 min 22 s
